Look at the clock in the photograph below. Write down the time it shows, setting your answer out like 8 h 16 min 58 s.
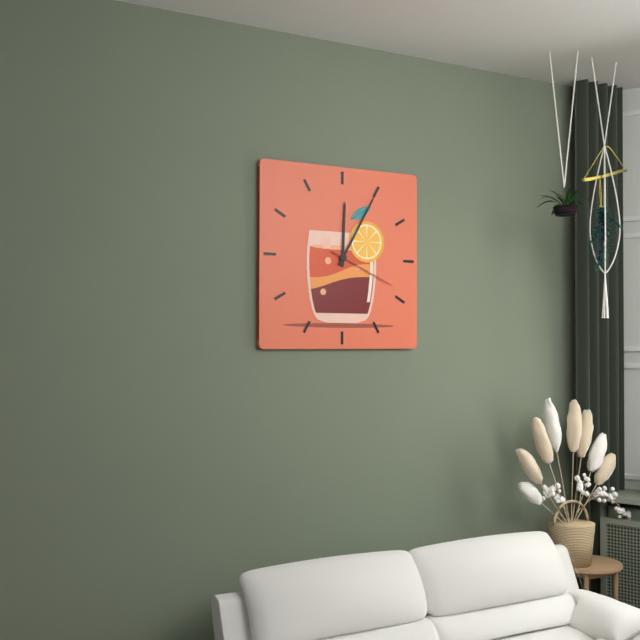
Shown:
12 h 05 min 19 s
